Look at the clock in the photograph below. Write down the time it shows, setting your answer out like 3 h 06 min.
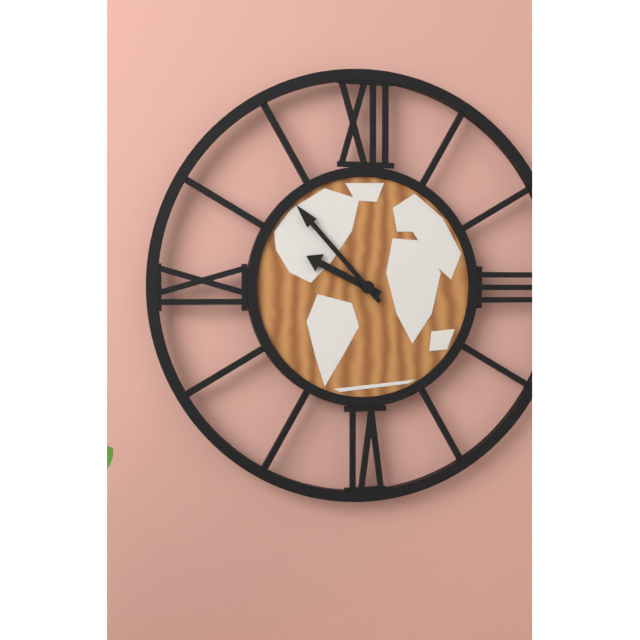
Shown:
9 h 53 min
